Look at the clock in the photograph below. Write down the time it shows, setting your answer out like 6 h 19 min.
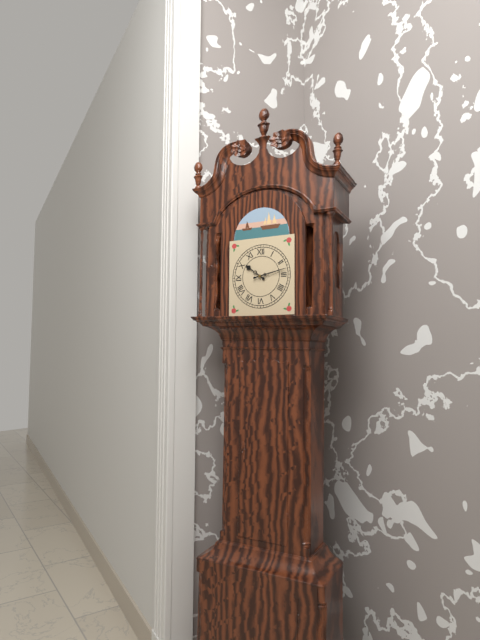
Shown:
10 h 13 min
